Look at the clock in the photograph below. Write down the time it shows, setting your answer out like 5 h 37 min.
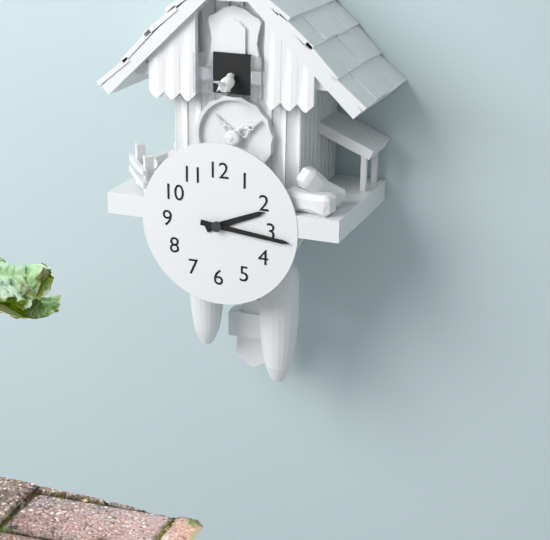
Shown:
2 h 16 min
